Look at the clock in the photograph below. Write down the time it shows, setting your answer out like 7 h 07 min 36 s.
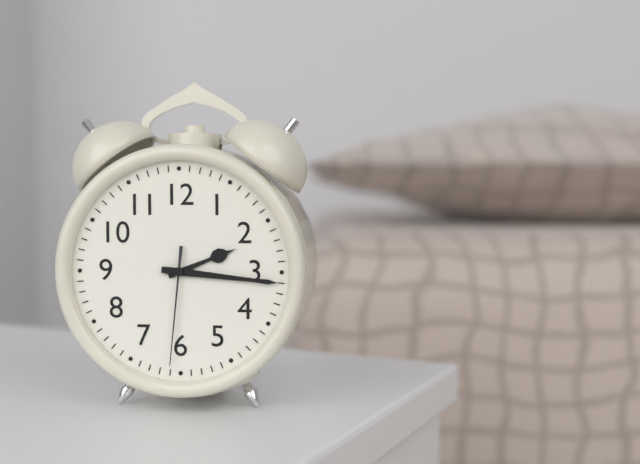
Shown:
2 h 16 min 31 s
